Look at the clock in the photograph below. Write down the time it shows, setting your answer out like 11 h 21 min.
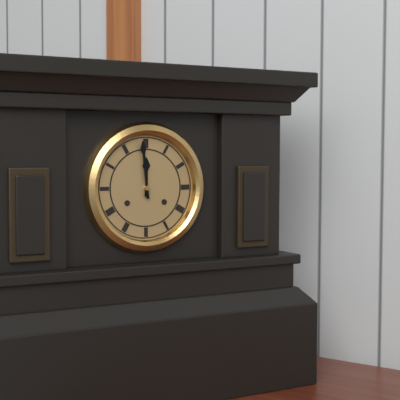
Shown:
11 h 59 min
